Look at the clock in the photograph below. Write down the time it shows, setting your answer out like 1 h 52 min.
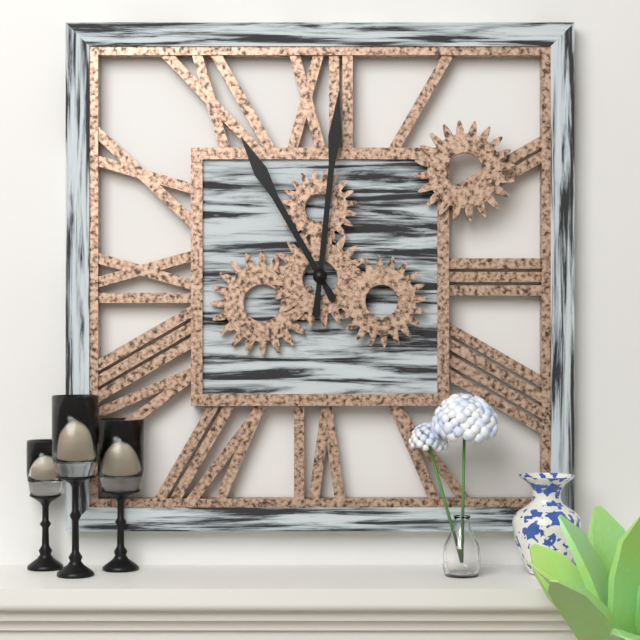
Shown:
11 h 01 min
